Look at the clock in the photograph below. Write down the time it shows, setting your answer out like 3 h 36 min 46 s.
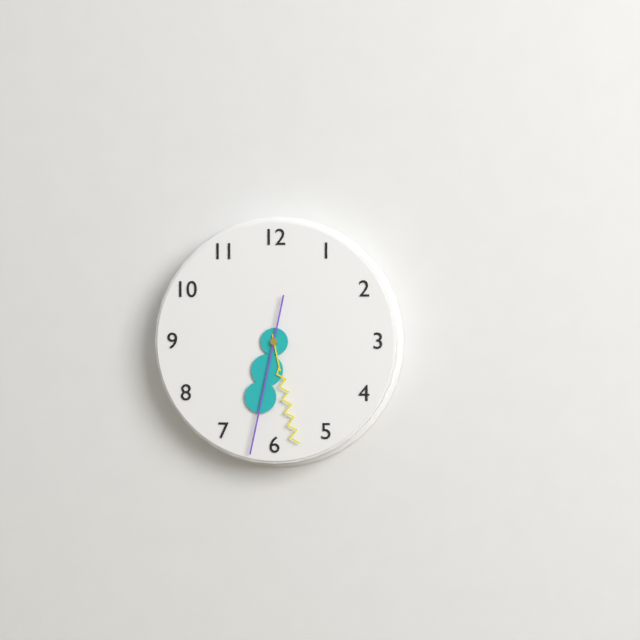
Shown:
6 h 28 min 32 s
